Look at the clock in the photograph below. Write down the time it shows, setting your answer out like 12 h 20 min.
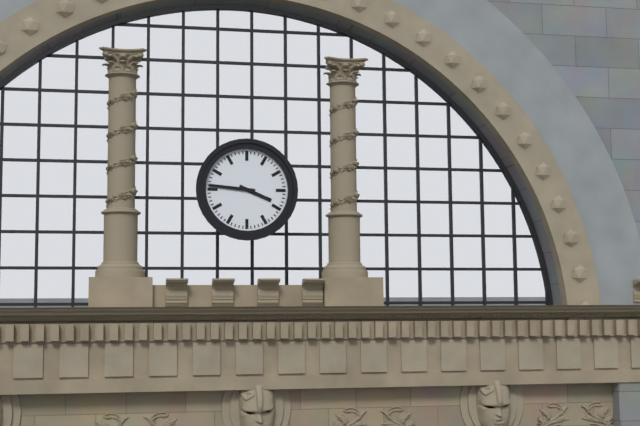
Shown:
3 h 46 min
